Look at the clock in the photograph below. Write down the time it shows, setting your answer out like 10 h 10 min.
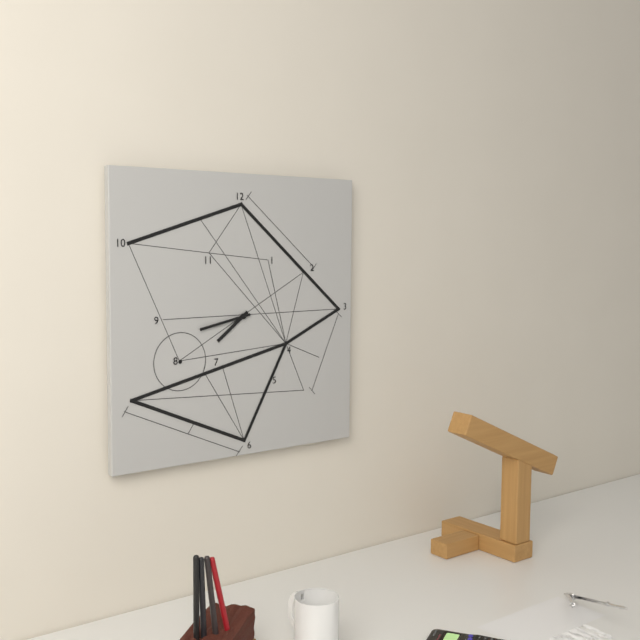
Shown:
7 h 43 min
